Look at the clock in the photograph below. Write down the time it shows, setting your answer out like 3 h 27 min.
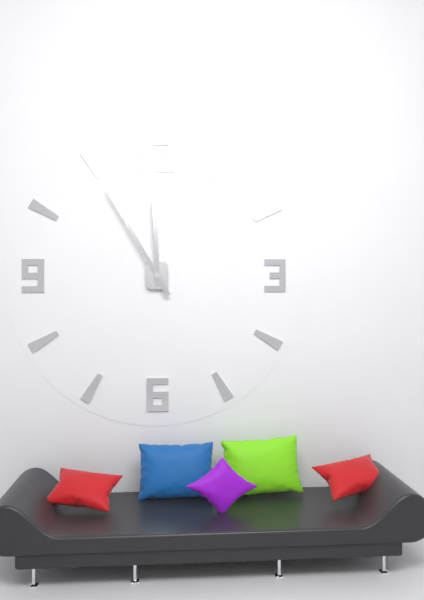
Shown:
11 h 55 min
